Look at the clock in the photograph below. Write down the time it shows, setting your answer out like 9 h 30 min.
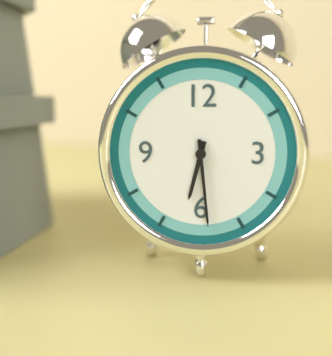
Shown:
6 h 29 min
